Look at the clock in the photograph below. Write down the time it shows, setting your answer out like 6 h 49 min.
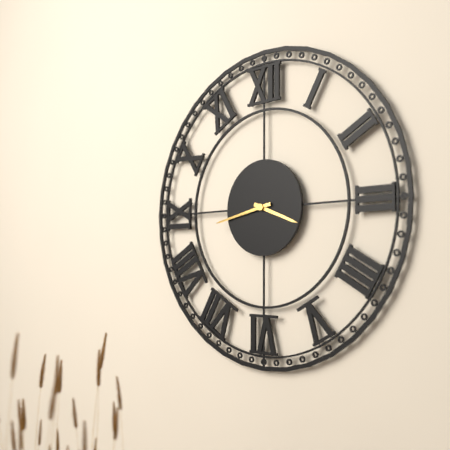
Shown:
3 h 43 min
